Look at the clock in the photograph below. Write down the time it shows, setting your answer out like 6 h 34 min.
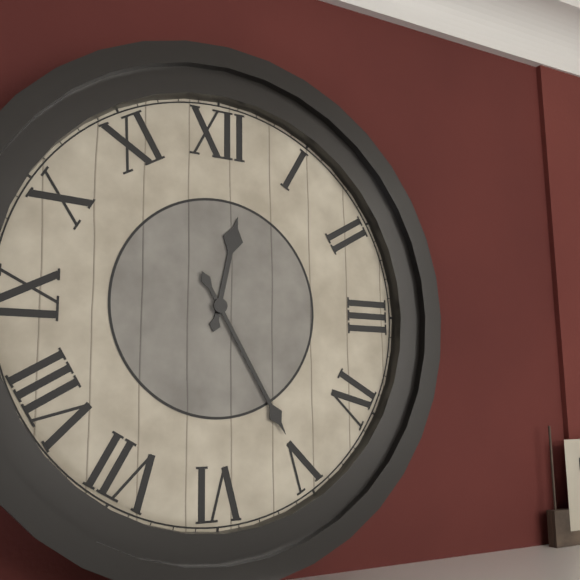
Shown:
12 h 25 min
